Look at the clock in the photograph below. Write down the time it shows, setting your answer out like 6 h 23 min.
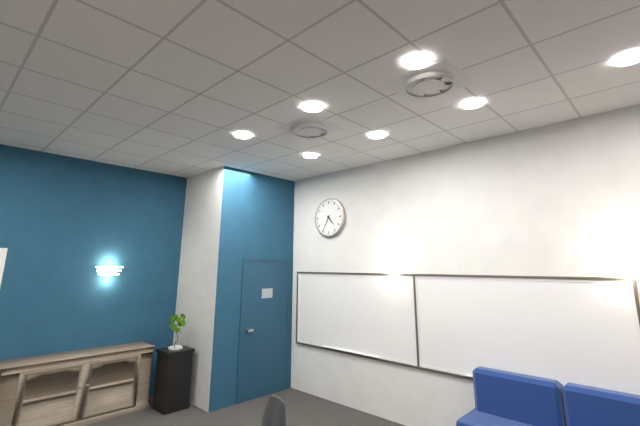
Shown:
4 h 35 min
